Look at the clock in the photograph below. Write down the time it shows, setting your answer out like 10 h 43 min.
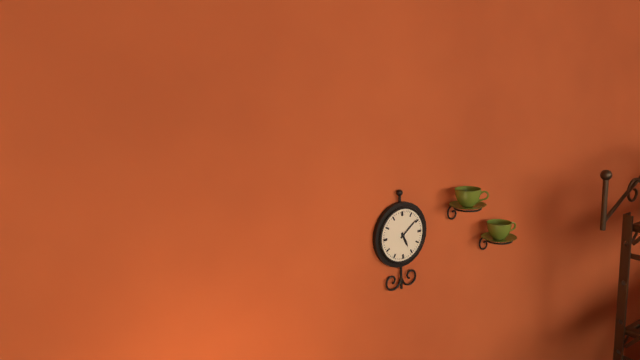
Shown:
5 h 09 min
